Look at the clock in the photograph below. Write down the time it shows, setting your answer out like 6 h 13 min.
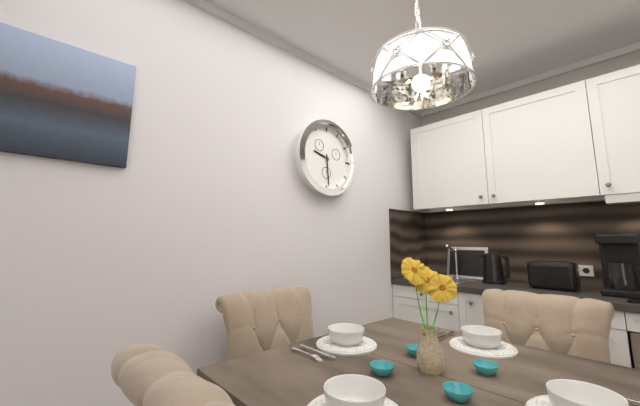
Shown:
9 h 29 min
